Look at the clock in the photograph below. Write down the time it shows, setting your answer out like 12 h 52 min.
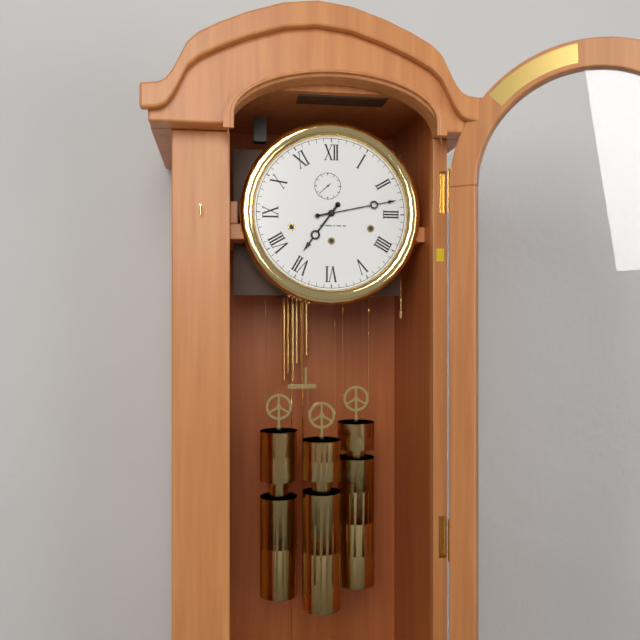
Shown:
7 h 13 min
